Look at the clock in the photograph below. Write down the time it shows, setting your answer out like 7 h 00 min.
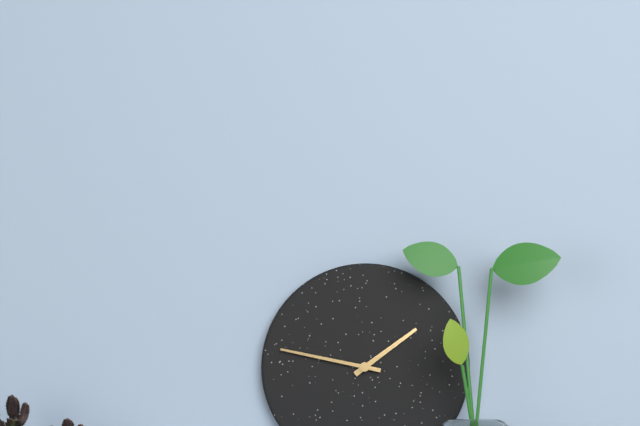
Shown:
1 h 47 min
